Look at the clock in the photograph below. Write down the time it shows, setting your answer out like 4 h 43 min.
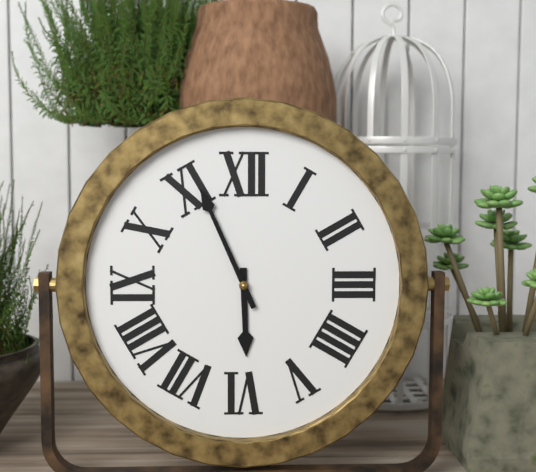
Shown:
5 h 56 min
